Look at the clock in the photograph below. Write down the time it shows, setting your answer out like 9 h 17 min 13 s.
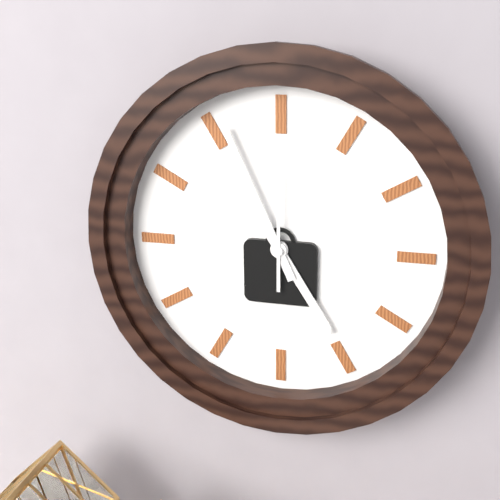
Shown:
4 h 56 min 00 s
